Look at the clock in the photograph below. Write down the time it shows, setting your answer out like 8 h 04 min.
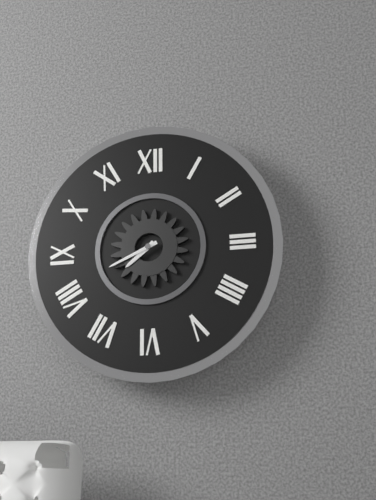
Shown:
7 h 41 min
